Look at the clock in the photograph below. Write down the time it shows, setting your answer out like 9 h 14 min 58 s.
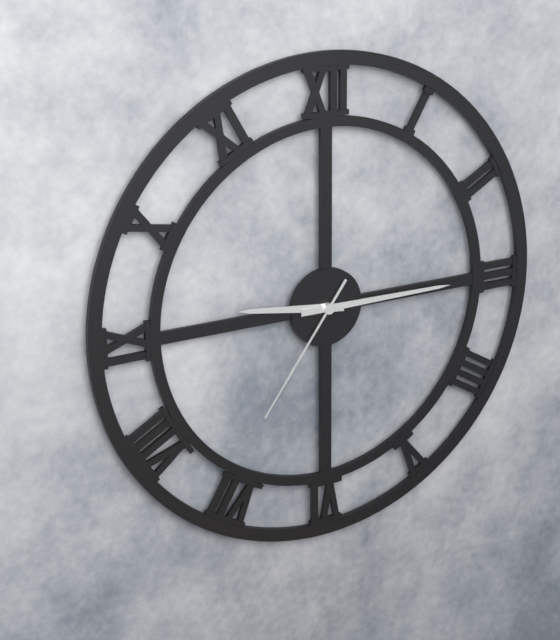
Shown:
9 h 15 min 36 s
